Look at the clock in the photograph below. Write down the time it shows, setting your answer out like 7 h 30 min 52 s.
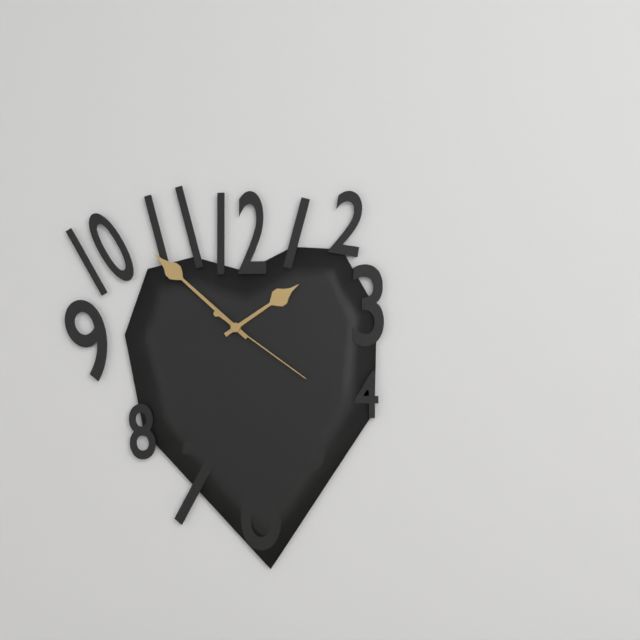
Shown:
1 h 52 min 21 s
